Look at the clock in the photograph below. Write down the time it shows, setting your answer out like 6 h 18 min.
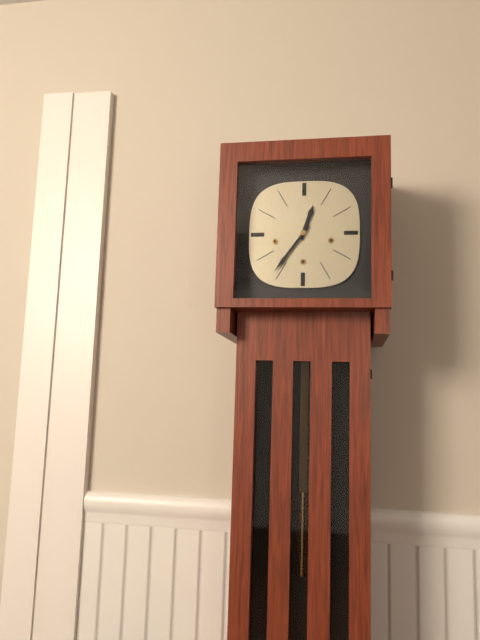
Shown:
12 h 36 min
